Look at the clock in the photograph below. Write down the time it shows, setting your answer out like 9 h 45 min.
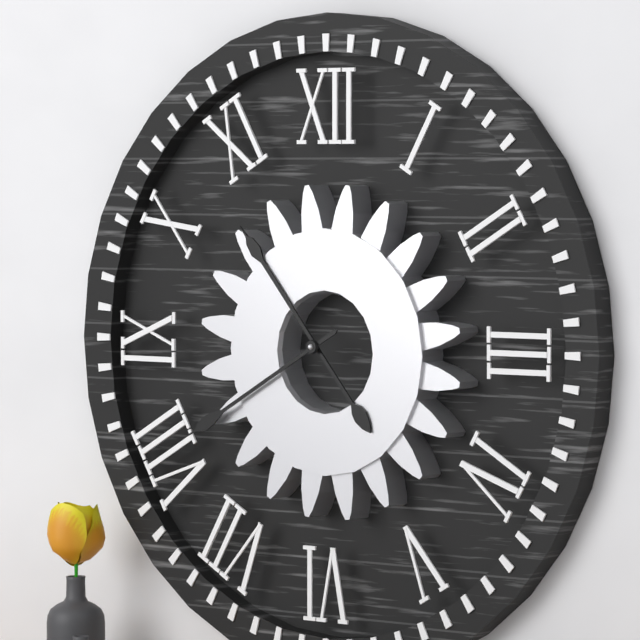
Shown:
10 h 40 min
